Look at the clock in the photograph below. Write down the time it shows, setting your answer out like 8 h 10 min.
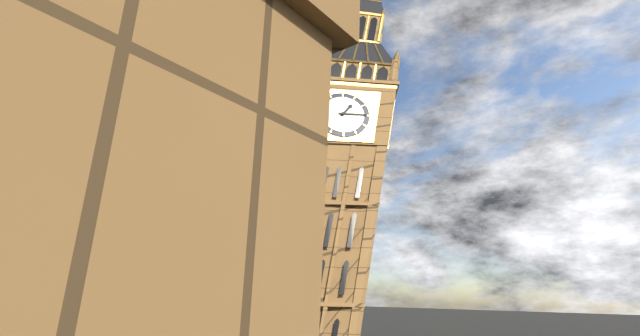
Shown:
1 h 15 min
